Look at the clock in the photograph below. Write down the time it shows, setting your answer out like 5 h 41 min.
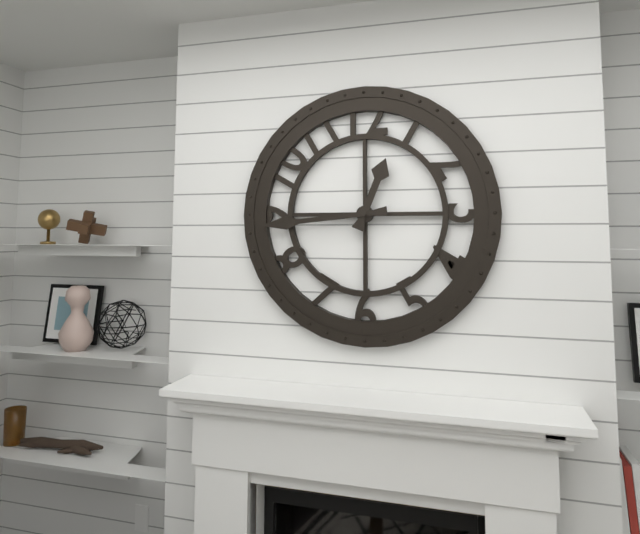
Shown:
12 h 44 min
